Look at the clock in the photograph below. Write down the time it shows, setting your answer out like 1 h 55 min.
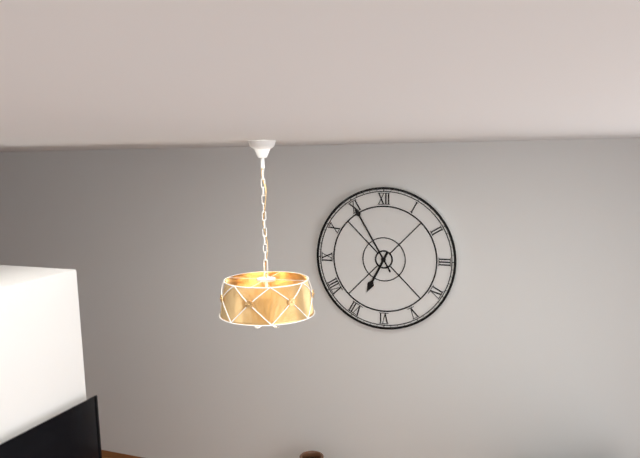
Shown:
6 h 55 min
